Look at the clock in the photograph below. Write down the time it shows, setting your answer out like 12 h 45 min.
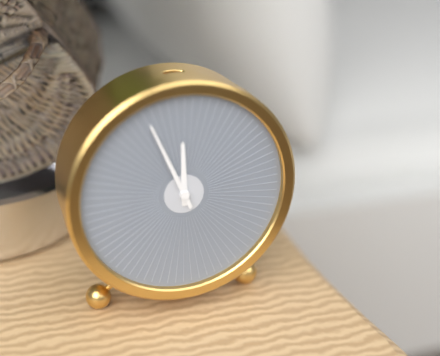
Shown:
11 h 56 min
